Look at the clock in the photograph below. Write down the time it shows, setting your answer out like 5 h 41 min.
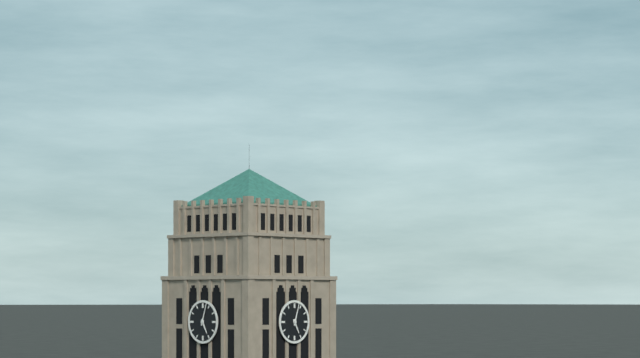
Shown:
5 h 03 min
